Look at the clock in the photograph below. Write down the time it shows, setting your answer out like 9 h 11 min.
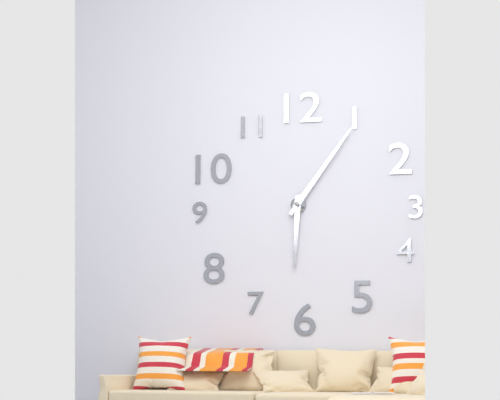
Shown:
6 h 06 min
